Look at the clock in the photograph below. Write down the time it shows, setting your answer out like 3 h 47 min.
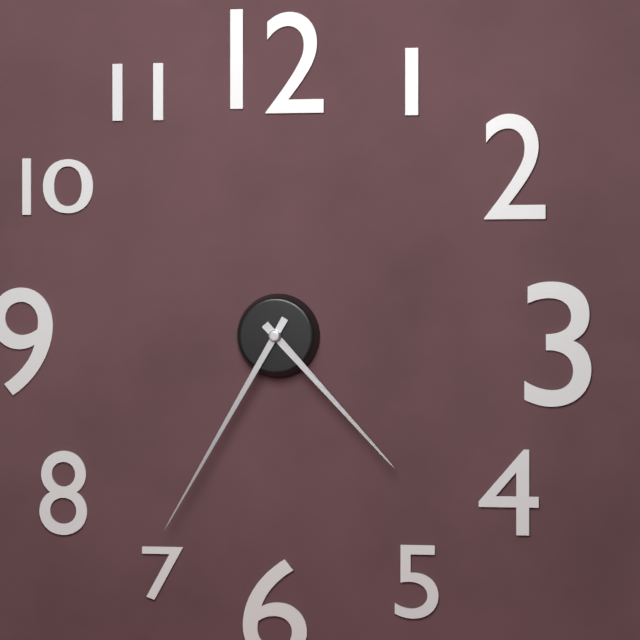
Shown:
4 h 35 min
